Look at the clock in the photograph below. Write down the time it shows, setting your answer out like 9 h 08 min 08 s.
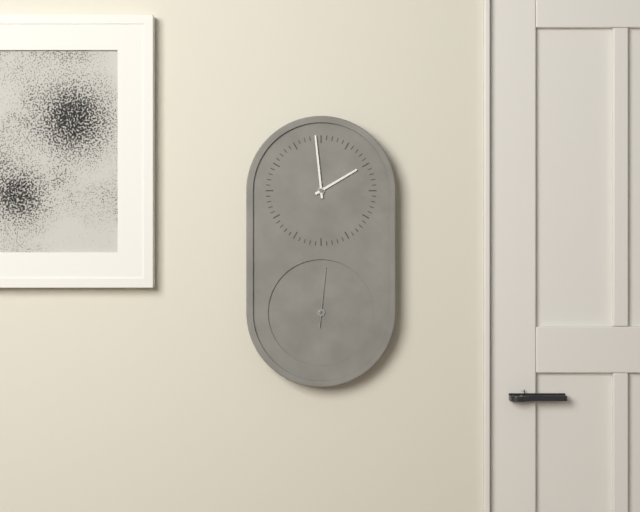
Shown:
1 h 59 min 01 s
